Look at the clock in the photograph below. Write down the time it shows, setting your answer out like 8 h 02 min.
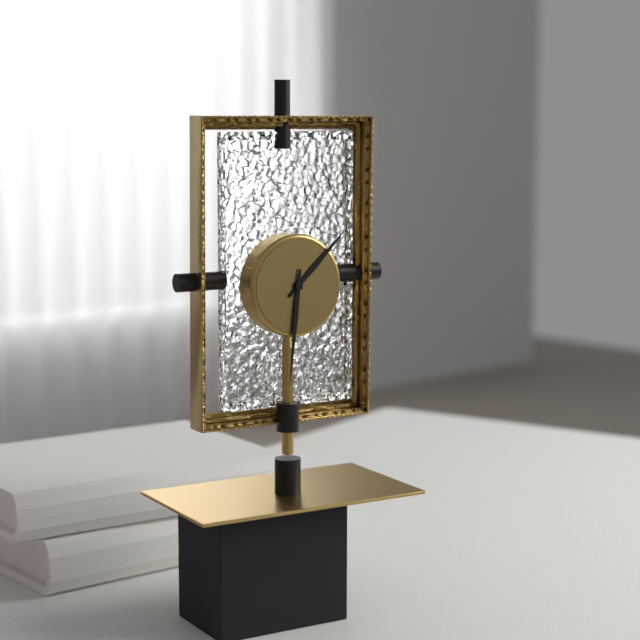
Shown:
1 h 31 min
